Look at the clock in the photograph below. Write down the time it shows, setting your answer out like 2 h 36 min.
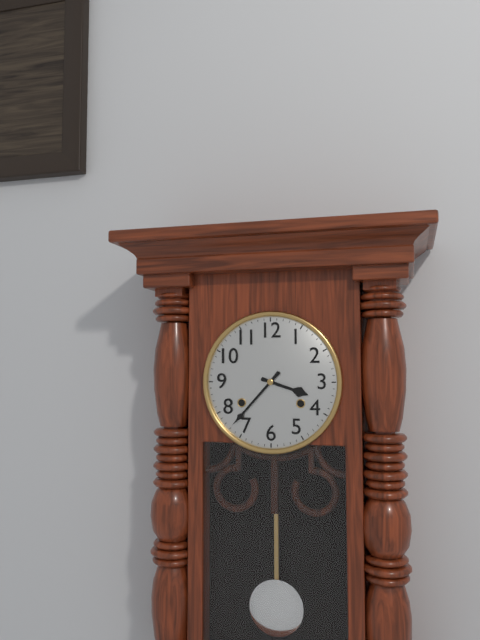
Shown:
3 h 37 min
